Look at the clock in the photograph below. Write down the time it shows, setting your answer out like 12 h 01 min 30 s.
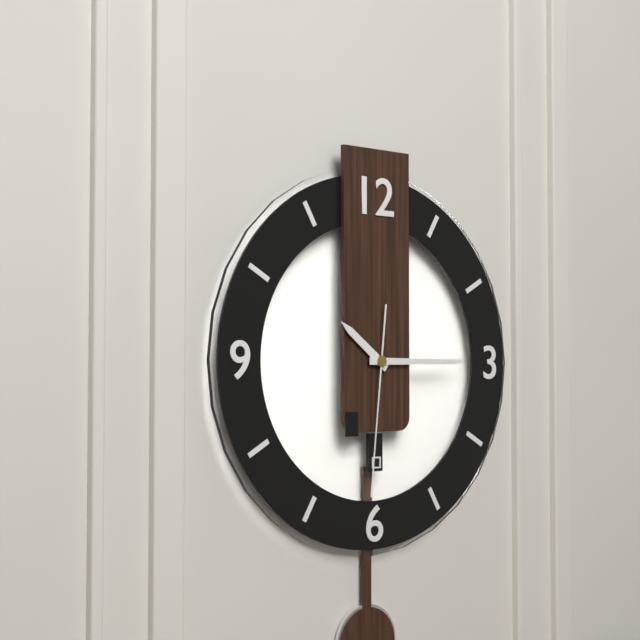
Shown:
10 h 15 min 31 s
